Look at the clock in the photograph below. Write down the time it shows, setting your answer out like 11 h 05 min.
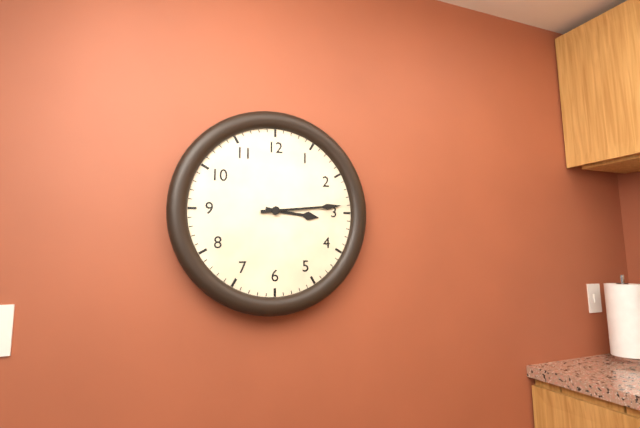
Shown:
3 h 14 min
